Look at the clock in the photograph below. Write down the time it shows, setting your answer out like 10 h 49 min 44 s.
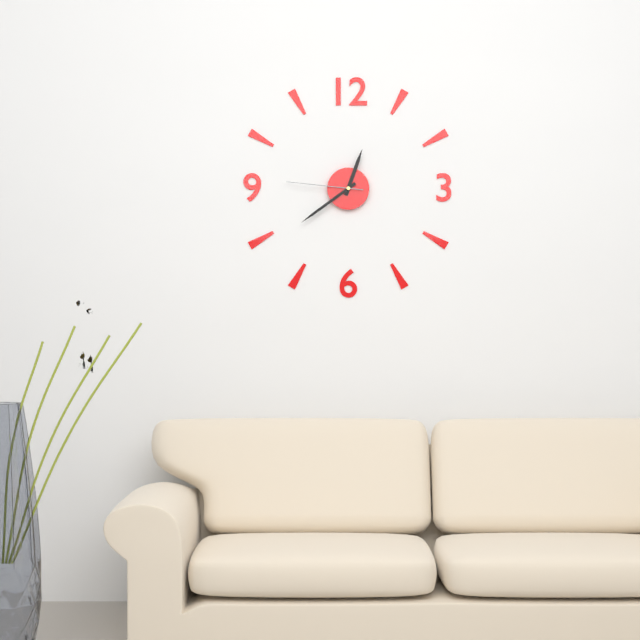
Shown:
12 h 39 min 46 s
